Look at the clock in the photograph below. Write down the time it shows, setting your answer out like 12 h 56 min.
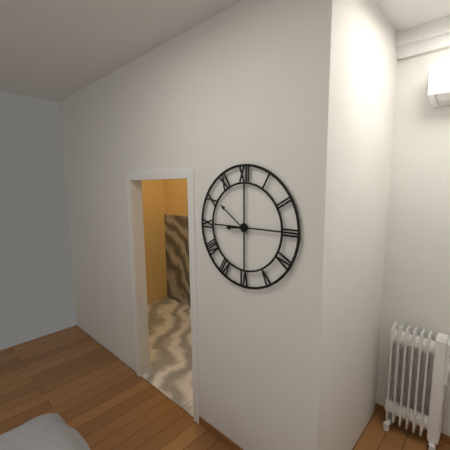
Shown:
8 h 51 min
